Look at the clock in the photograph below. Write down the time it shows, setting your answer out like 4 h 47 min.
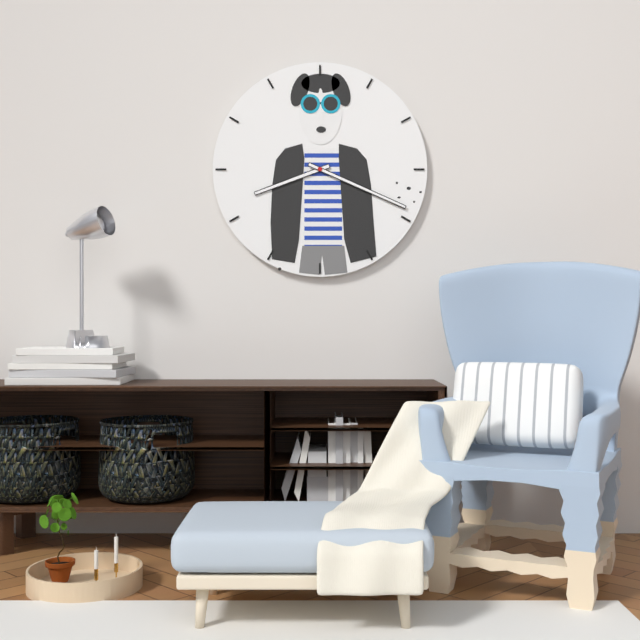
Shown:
8 h 19 min
